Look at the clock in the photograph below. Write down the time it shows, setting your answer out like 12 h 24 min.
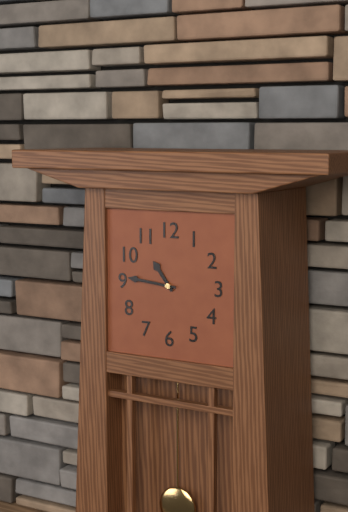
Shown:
10 h 46 min
